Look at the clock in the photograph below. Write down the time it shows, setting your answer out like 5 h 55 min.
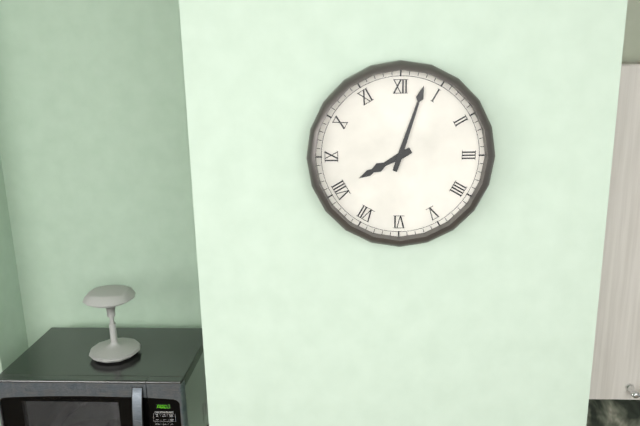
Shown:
8 h 03 min
